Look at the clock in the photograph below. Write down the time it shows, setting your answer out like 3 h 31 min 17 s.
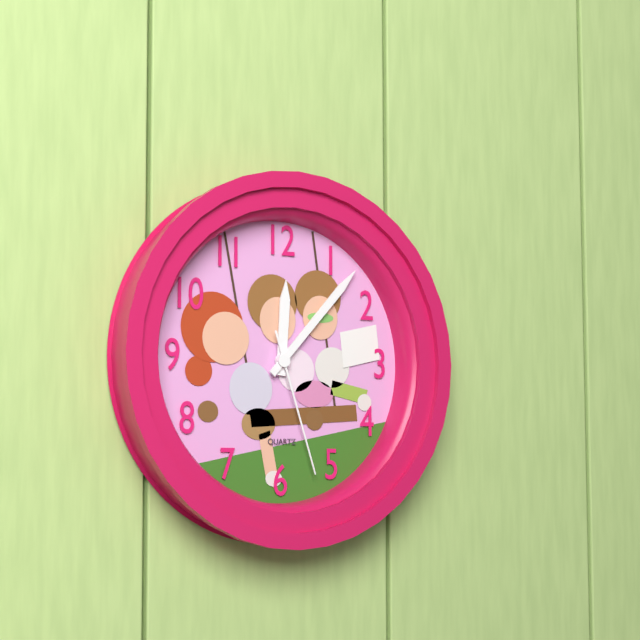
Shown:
12 h 07 min 27 s
